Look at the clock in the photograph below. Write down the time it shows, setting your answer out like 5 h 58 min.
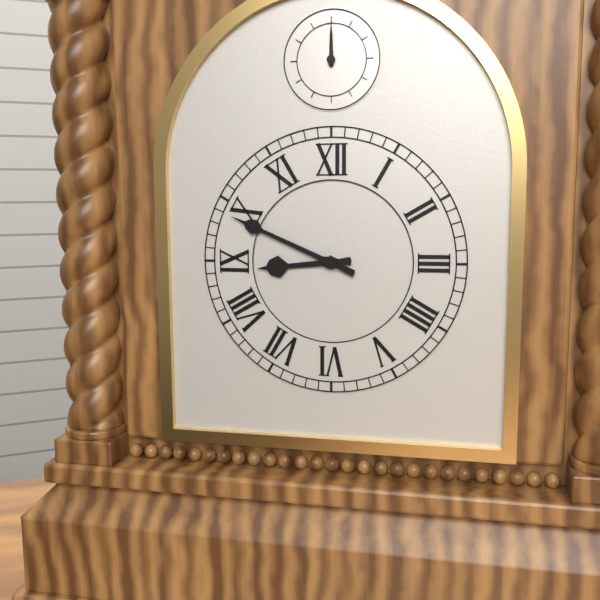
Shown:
8 h 49 min
